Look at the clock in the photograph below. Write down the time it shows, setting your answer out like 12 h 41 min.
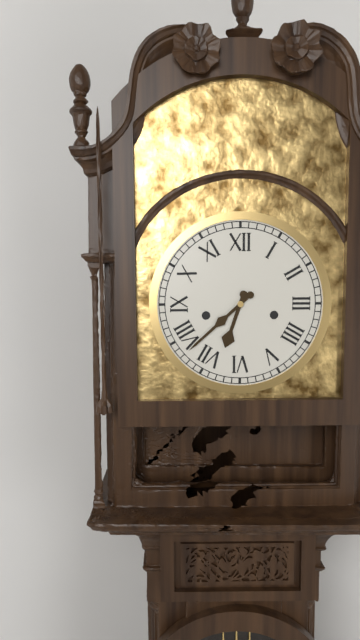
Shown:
6 h 38 min
